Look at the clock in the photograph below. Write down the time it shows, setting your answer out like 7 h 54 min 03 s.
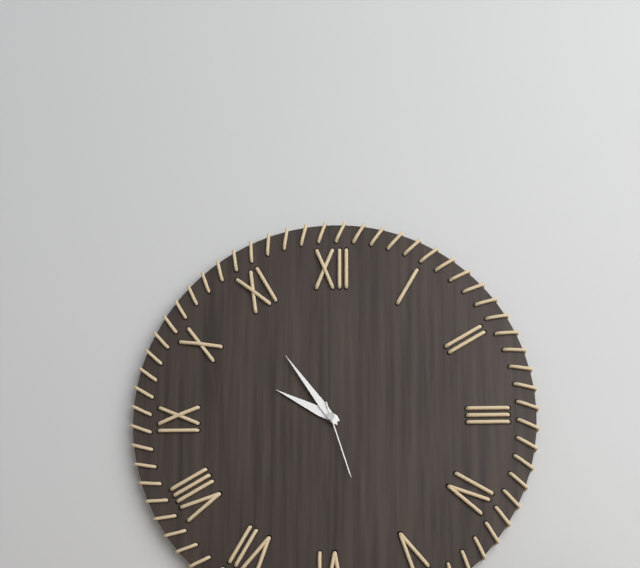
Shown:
9 h 54 min 27 s
